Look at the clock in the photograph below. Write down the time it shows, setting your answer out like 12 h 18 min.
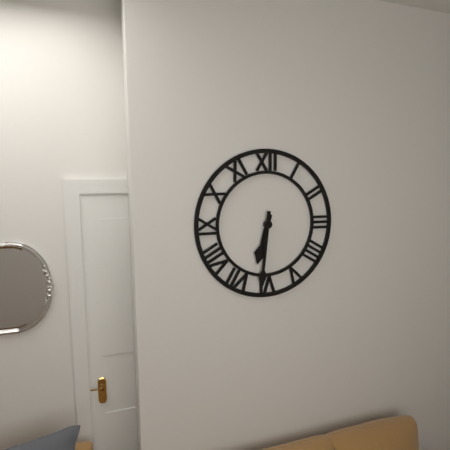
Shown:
6 h 31 min
